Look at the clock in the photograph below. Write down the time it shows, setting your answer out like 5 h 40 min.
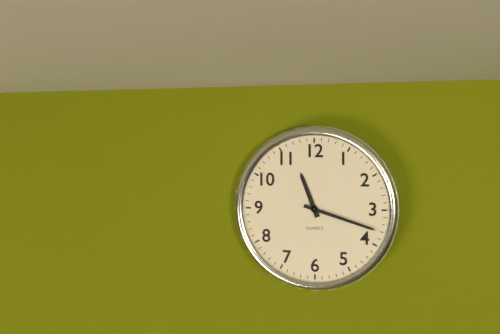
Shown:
11 h 18 min
